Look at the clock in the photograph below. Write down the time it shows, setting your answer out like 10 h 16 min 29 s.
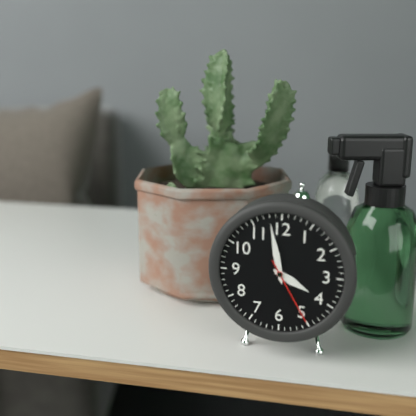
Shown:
3 h 58 min 25 s
